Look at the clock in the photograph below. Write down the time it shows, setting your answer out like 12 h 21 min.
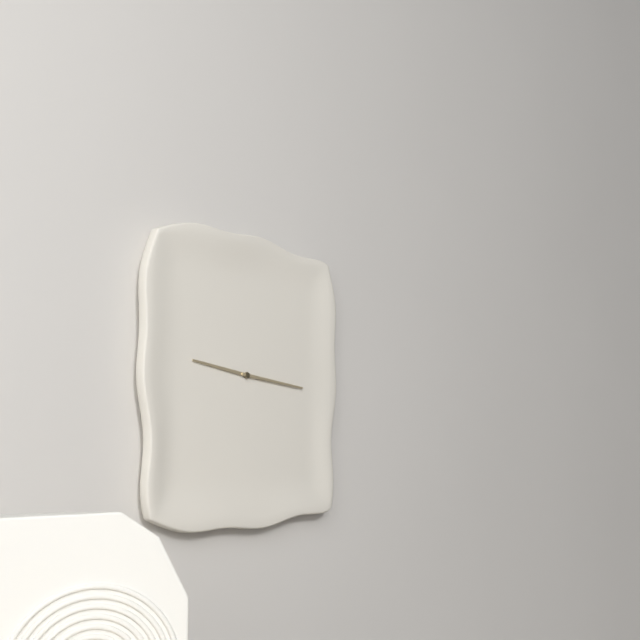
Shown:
9 h 16 min
